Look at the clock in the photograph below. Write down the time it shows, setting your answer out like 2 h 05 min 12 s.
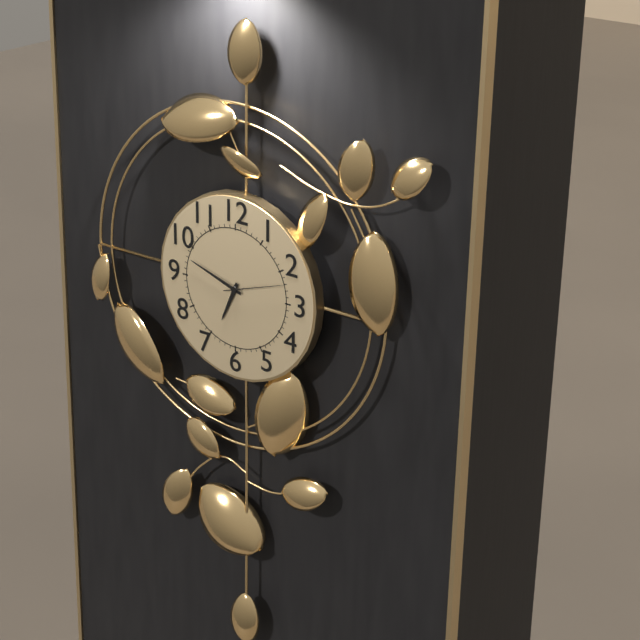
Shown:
6 h 48 min 12 s
